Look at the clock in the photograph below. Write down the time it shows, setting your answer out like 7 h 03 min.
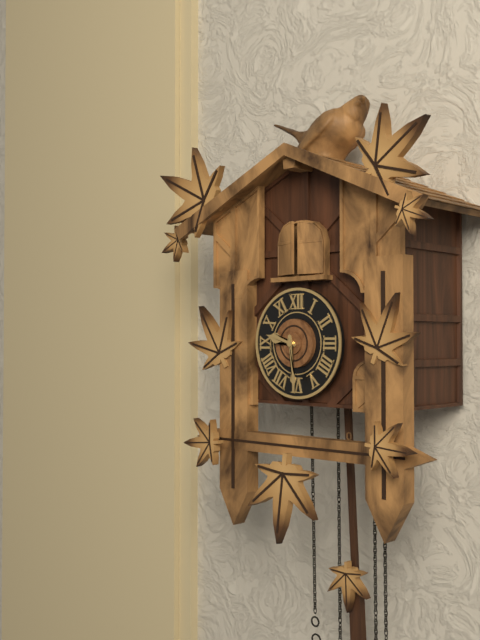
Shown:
9 h 29 min
